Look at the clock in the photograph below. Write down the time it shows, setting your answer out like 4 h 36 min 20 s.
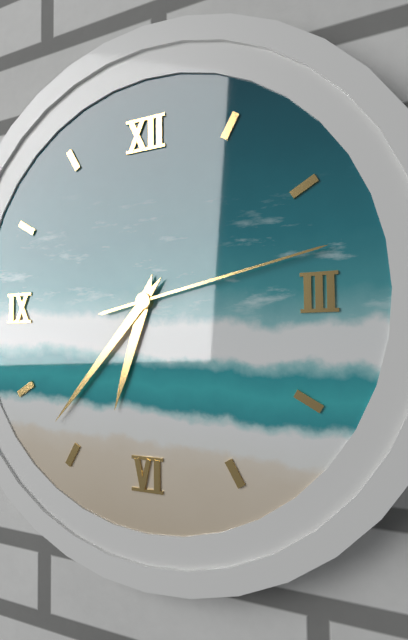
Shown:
6 h 37 min 13 s
